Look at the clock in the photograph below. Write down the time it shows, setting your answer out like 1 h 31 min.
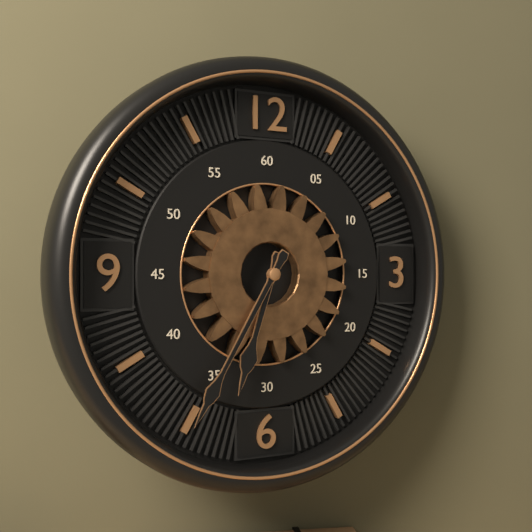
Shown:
6 h 35 min
